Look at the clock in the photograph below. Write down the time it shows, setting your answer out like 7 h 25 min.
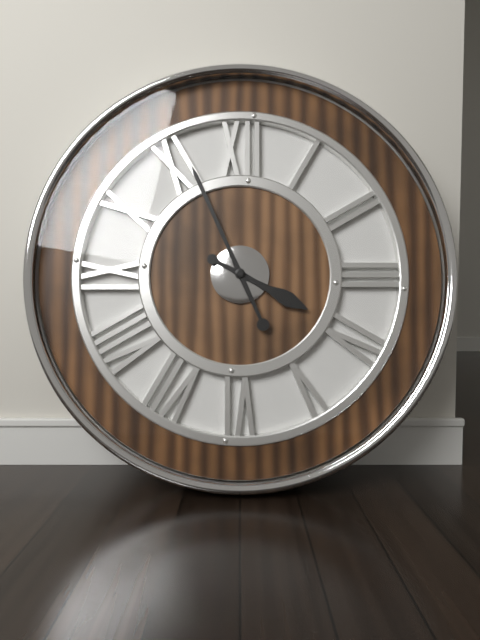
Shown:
3 h 56 min
